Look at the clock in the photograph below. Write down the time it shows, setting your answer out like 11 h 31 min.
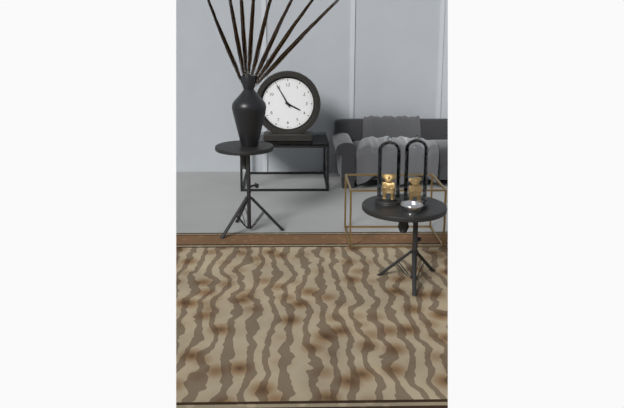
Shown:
3 h 55 min
